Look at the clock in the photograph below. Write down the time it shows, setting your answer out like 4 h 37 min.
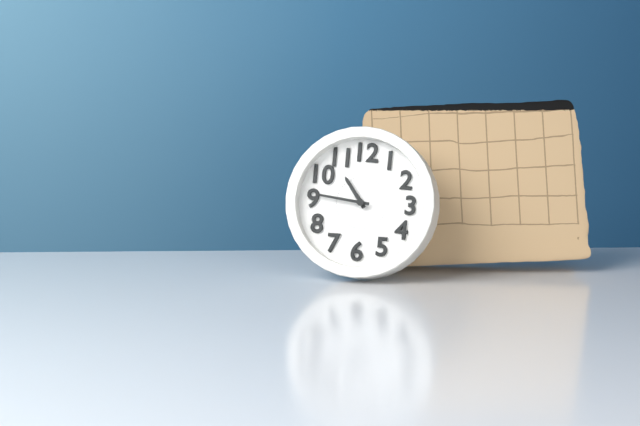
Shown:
10 h 46 min
